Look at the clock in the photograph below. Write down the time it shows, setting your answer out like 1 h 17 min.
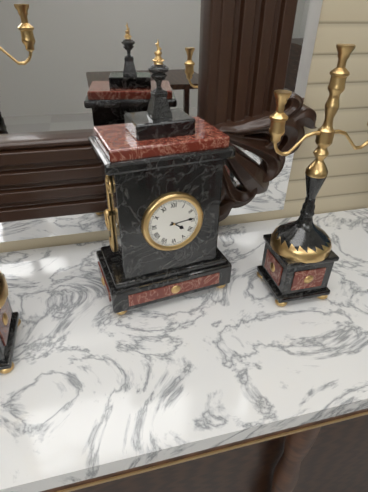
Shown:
4 h 14 min
